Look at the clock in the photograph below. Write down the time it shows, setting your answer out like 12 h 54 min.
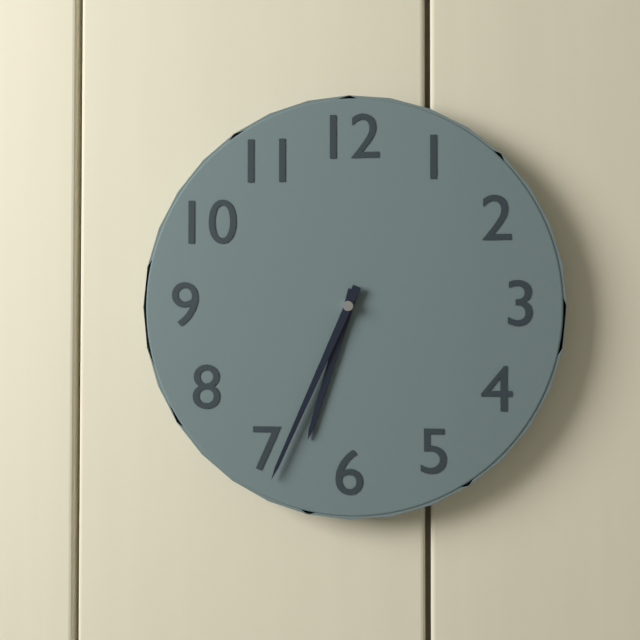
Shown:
6 h 34 min
